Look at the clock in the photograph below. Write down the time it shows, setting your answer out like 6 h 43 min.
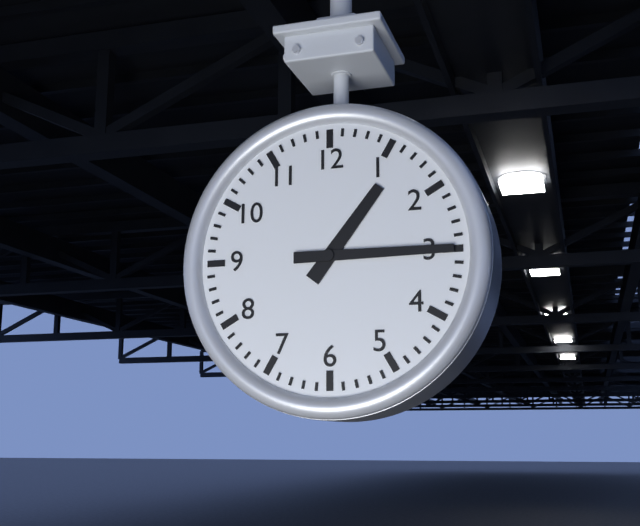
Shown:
1 h 15 min
